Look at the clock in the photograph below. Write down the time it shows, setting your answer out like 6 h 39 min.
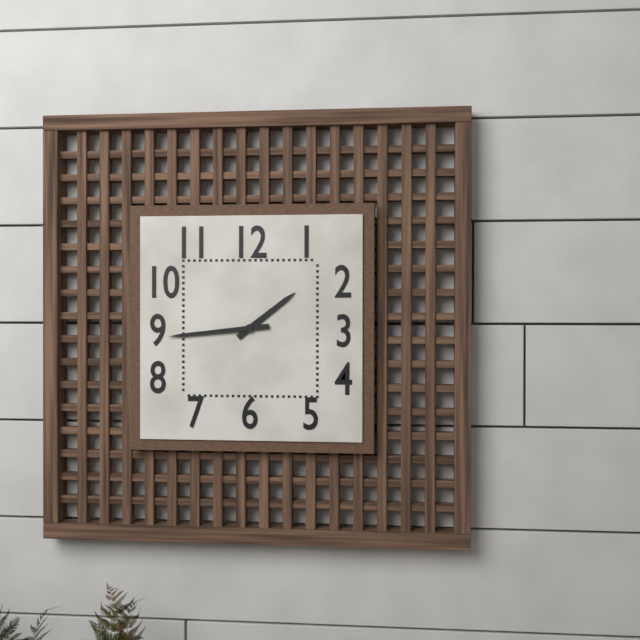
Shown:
1 h 44 min
